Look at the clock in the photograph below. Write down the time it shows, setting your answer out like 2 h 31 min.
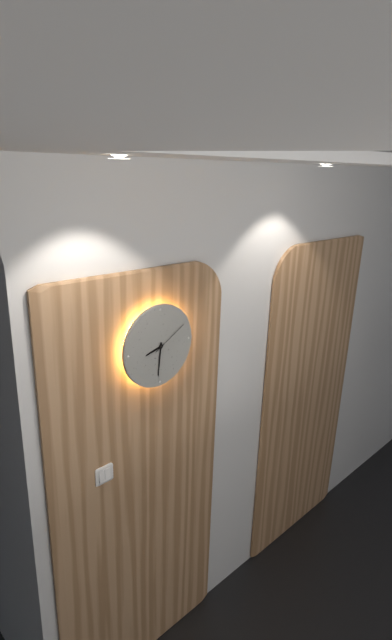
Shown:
8 h 31 min
